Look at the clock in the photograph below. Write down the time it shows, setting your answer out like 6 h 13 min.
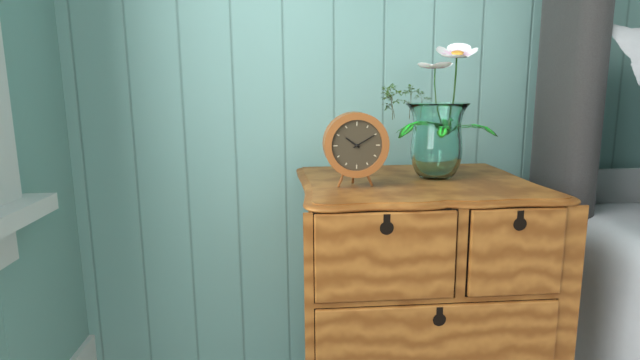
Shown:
10 h 10 min
